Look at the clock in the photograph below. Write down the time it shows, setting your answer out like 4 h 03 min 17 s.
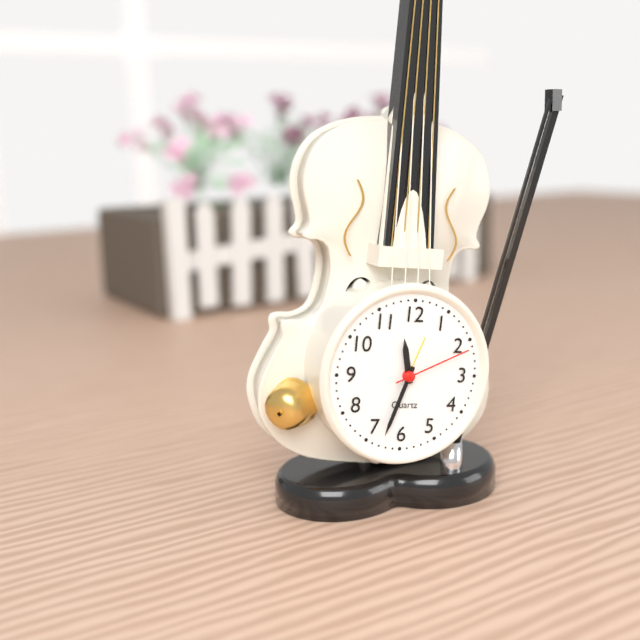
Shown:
11 h 33 min 11 s
